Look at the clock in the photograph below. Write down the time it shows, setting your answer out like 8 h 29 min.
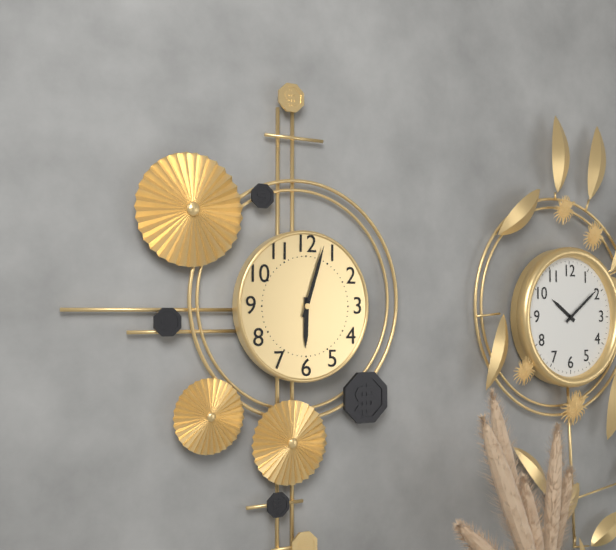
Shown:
6 h 03 min
